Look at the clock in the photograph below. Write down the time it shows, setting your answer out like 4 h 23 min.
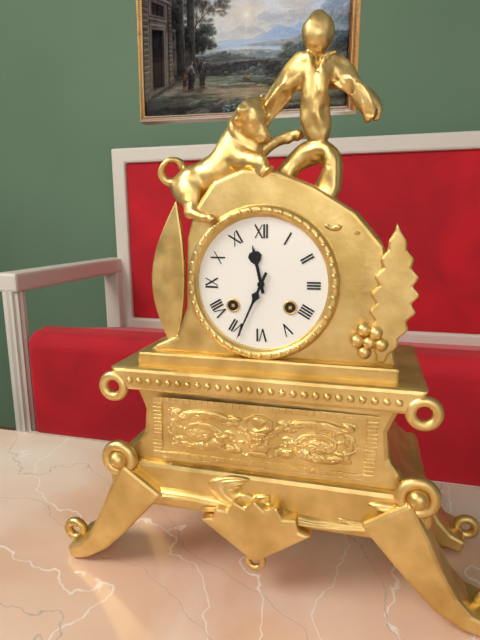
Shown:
11 h 34 min
